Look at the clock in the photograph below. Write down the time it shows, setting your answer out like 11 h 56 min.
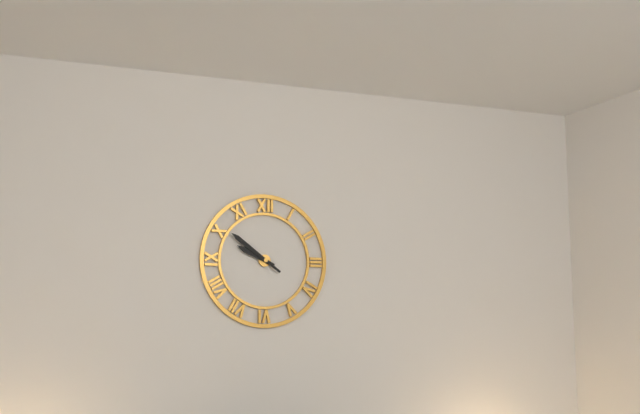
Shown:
9 h 51 min
